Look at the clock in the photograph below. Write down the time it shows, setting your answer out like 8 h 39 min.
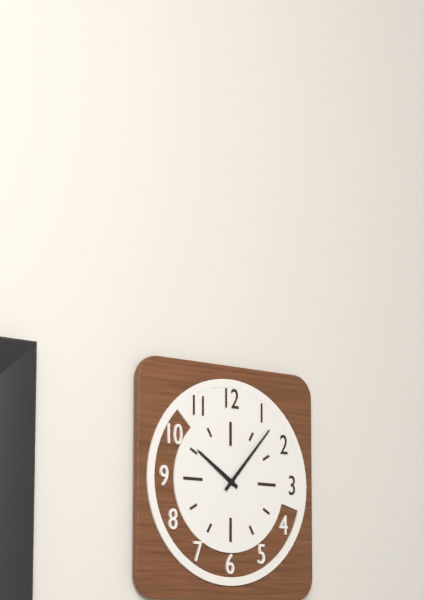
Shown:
10 h 07 min
